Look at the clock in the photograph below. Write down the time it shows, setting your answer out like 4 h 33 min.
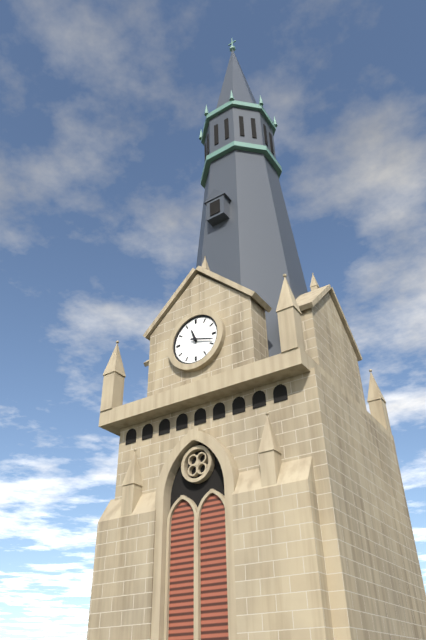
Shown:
11 h 18 min
